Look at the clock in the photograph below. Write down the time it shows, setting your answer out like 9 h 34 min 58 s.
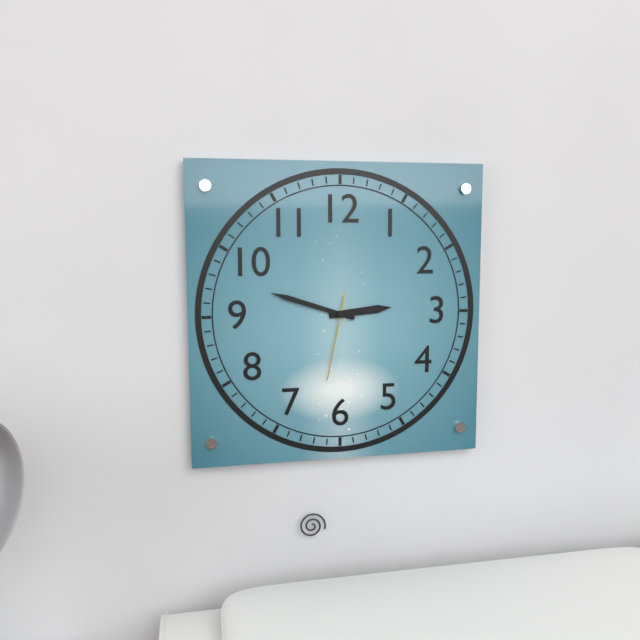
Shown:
2 h 48 min 32 s
